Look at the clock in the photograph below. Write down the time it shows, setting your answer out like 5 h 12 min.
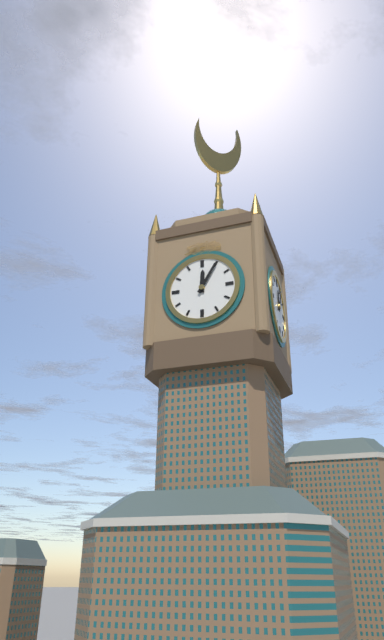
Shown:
12 h 05 min
